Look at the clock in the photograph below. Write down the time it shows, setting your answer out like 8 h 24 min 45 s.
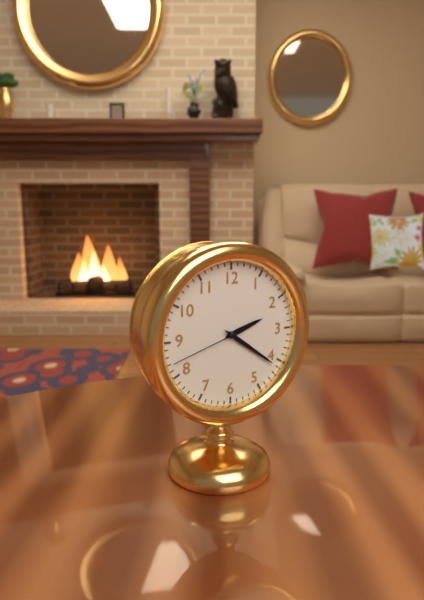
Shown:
2 h 21 min 42 s
